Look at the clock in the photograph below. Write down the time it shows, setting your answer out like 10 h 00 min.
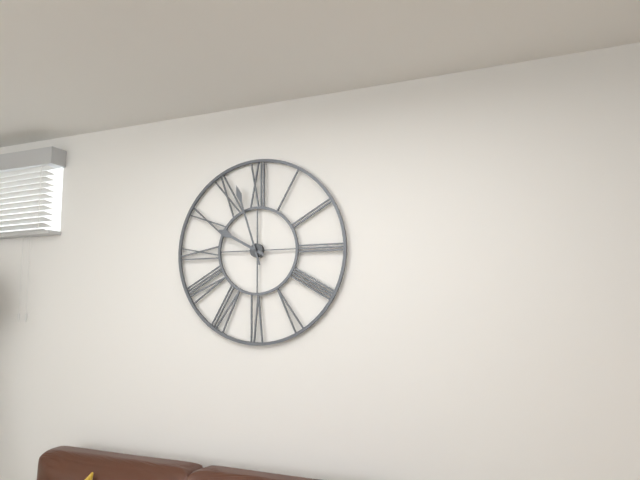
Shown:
9 h 57 min
